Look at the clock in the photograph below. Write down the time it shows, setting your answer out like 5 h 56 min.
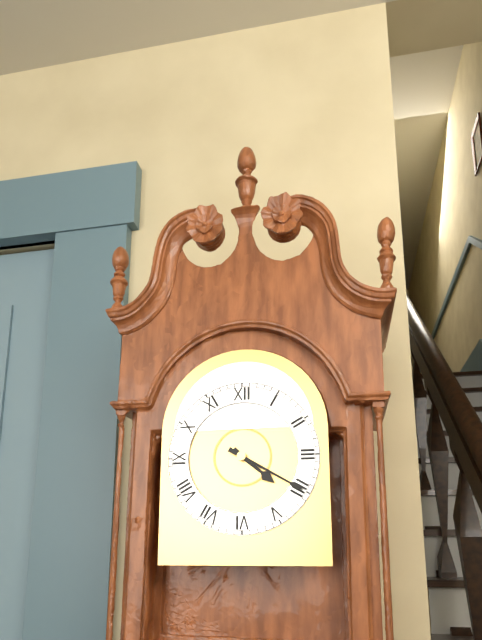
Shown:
4 h 20 min
